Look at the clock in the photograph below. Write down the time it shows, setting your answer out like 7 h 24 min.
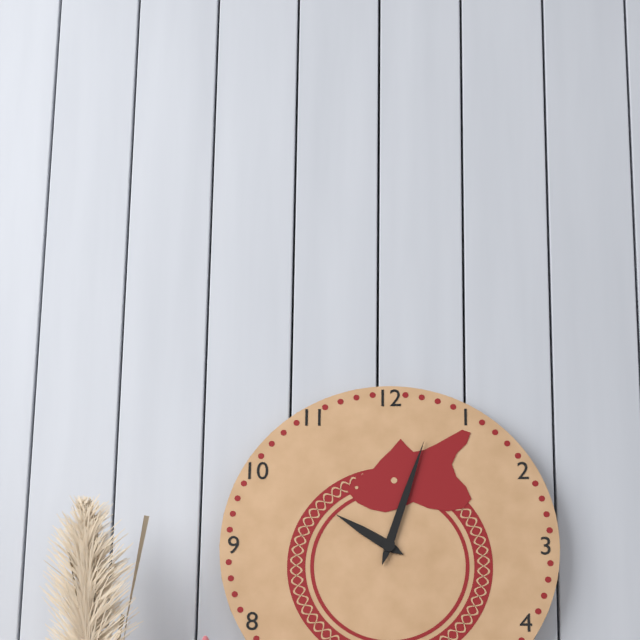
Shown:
10 h 03 min
